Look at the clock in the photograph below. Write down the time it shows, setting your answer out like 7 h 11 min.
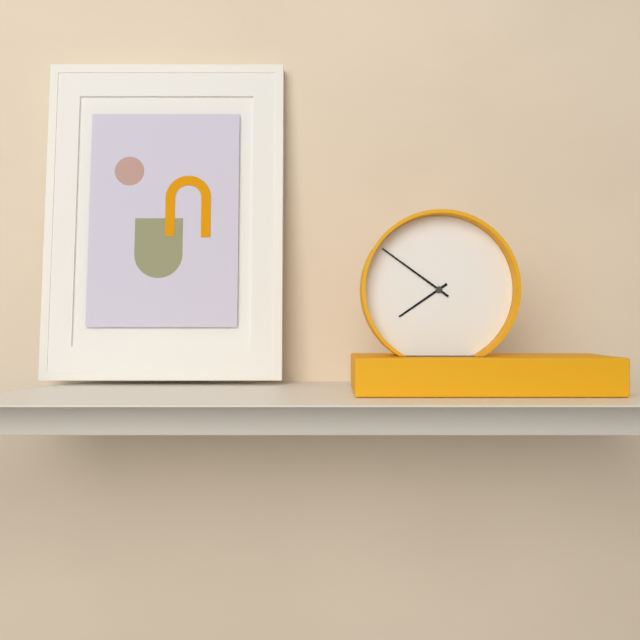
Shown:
7 h 51 min
